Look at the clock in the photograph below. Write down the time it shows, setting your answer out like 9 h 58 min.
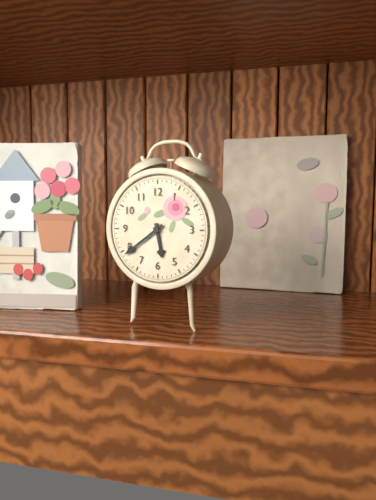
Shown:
5 h 39 min
